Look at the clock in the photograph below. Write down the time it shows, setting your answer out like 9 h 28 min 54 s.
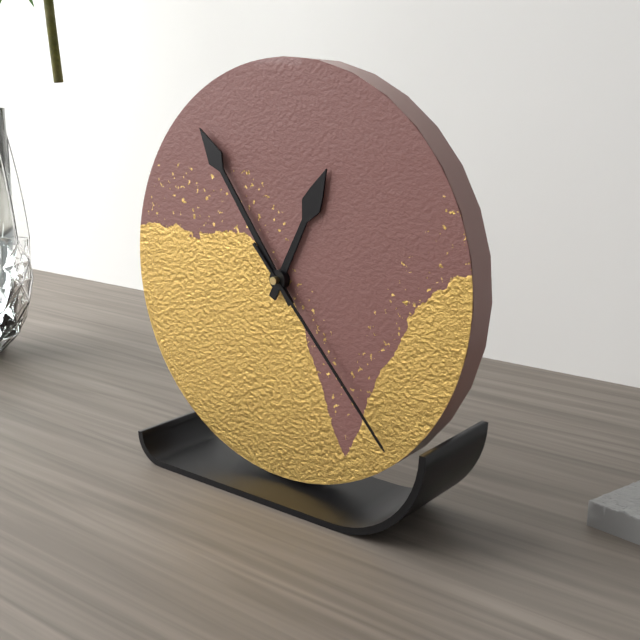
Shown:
12 h 54 min 23 s
